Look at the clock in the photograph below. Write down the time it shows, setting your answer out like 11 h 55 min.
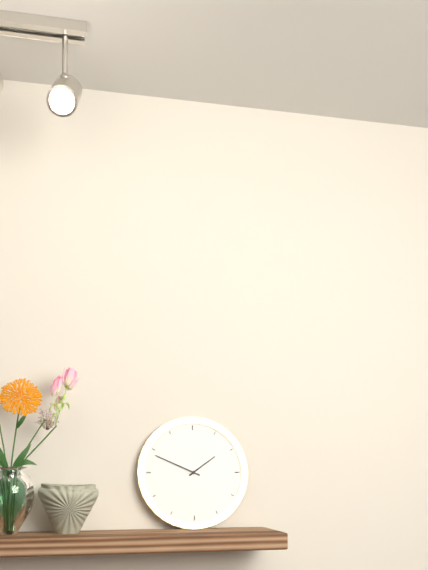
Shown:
1 h 49 min
